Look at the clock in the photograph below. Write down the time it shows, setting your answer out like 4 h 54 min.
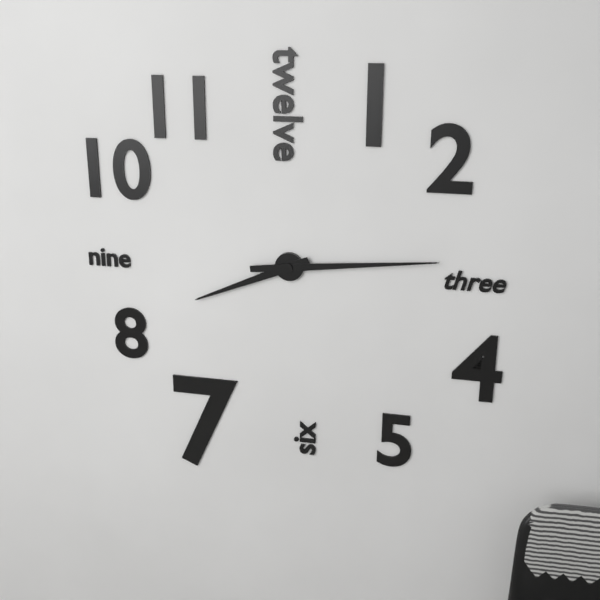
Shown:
8 h 14 min
